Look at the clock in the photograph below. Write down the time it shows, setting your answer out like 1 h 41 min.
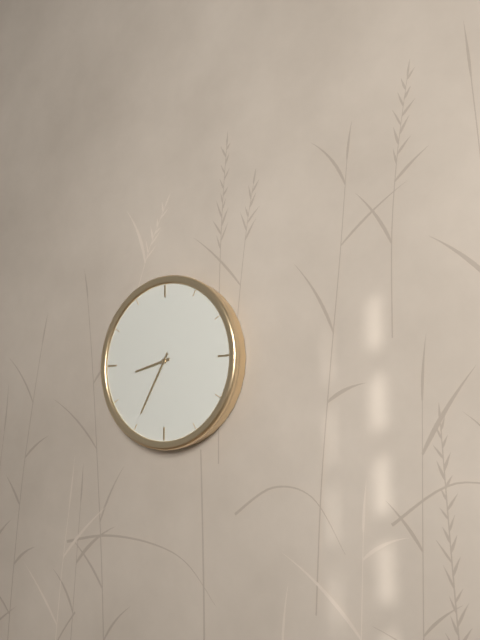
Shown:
8 h 35 min
